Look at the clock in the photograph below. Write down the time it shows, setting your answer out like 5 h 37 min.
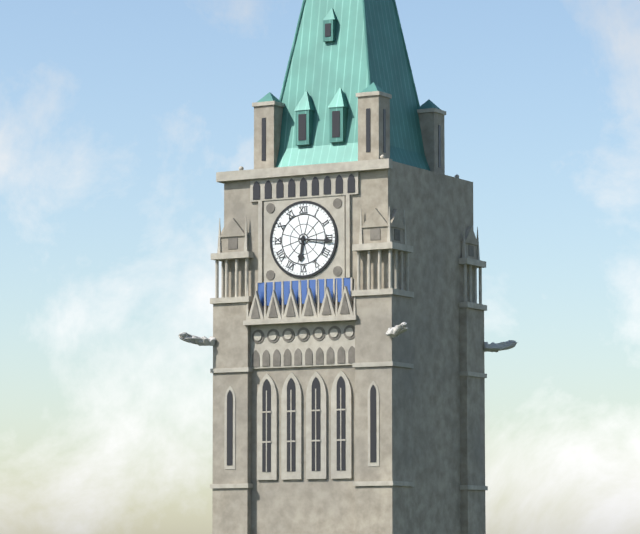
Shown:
6 h 16 min
